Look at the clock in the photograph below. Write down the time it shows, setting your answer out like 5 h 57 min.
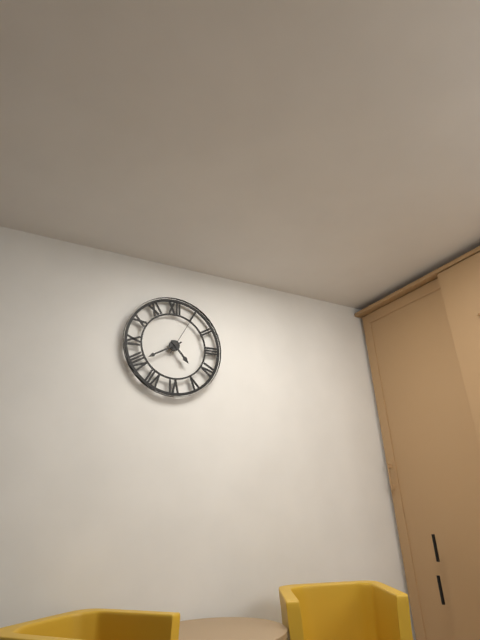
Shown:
4 h 40 min
